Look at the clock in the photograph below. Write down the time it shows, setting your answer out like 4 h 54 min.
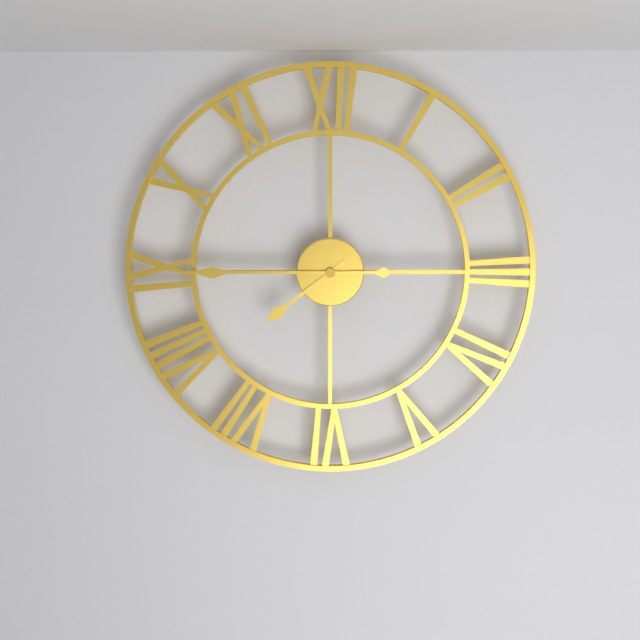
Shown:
7 h 45 min
